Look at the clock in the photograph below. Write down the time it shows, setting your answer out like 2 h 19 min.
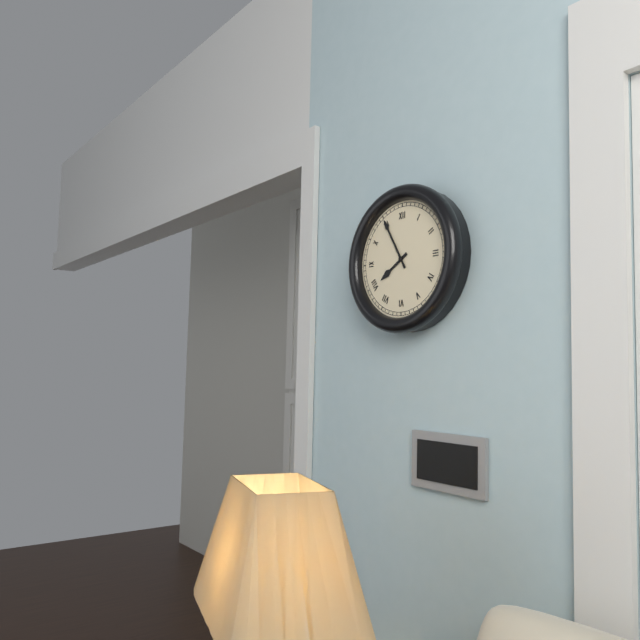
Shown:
7 h 55 min
